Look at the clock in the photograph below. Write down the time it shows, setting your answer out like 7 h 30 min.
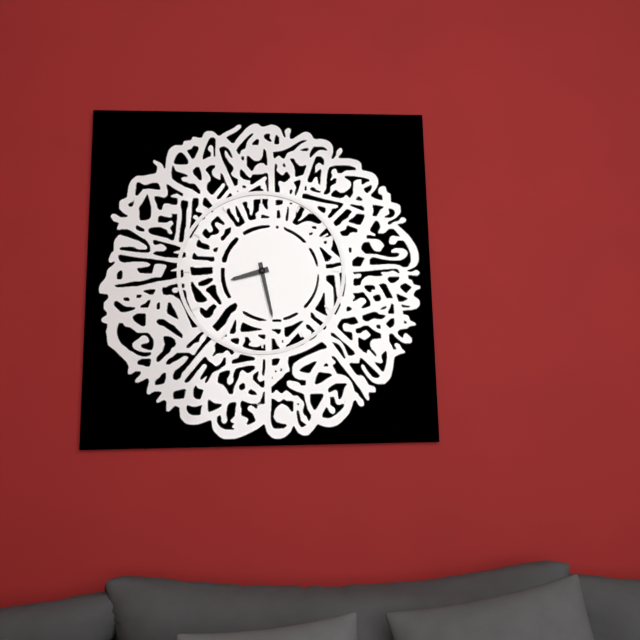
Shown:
8 h 28 min
